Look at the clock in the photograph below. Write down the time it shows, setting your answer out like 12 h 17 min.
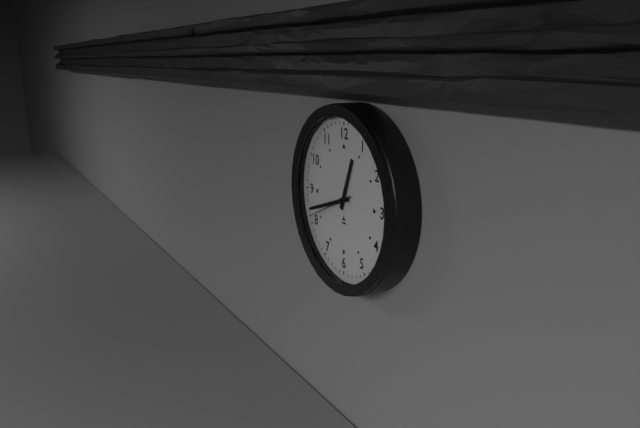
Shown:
12 h 42 min
